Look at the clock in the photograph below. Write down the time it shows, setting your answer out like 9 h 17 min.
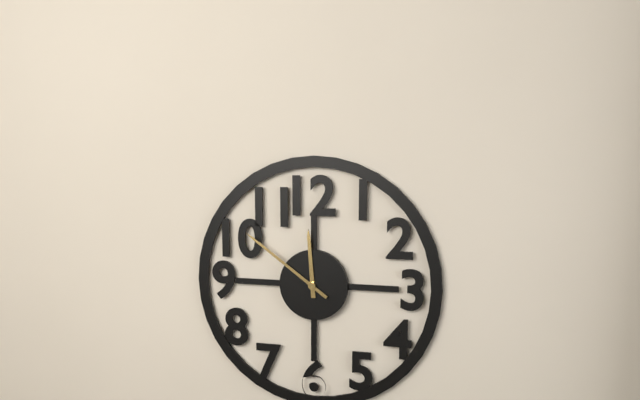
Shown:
11 h 51 min
